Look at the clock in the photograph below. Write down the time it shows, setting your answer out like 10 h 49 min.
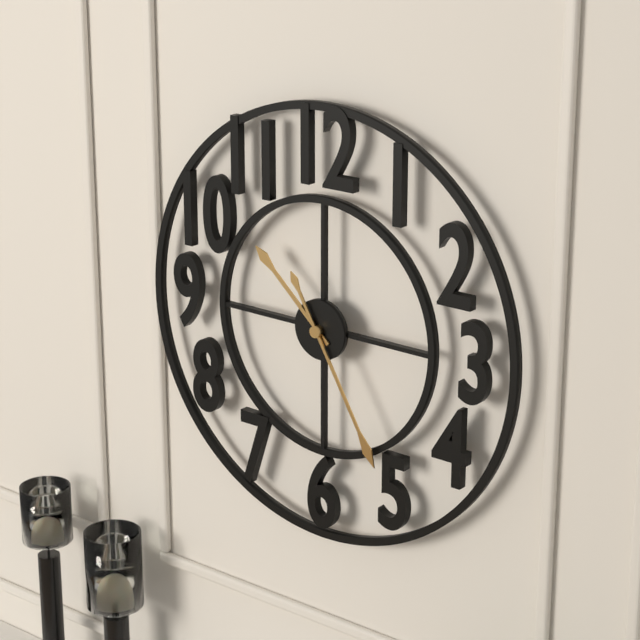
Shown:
10 h 25 min
